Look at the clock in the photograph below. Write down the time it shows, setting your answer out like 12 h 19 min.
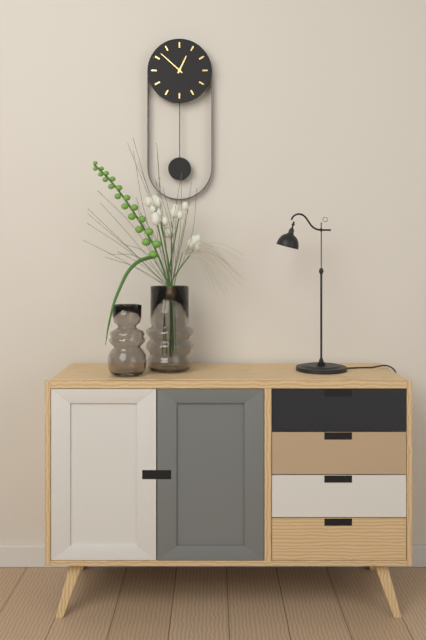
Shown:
12 h 52 min
